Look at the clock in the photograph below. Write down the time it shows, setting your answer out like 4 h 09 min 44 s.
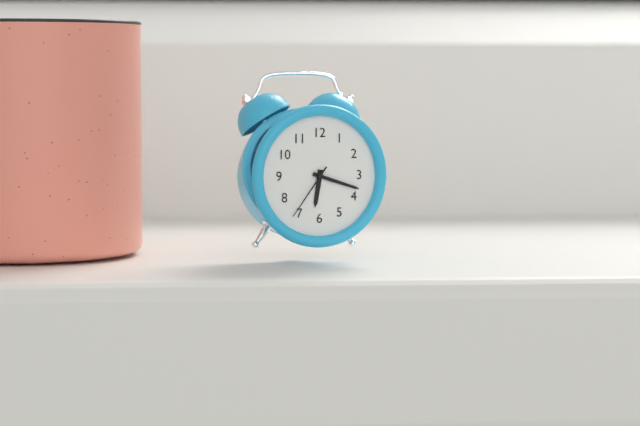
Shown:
6 h 18 min 36 s
